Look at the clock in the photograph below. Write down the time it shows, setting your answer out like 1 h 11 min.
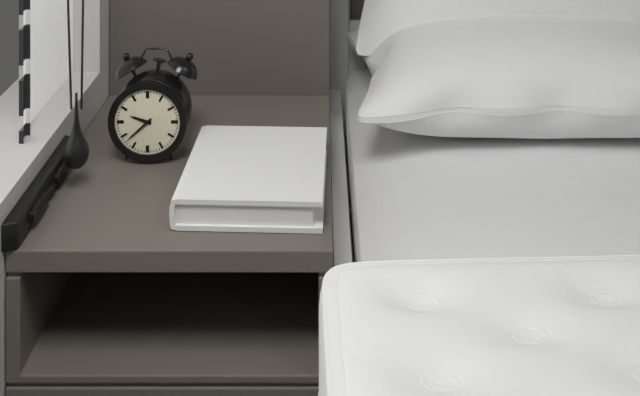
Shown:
9 h 38 min
